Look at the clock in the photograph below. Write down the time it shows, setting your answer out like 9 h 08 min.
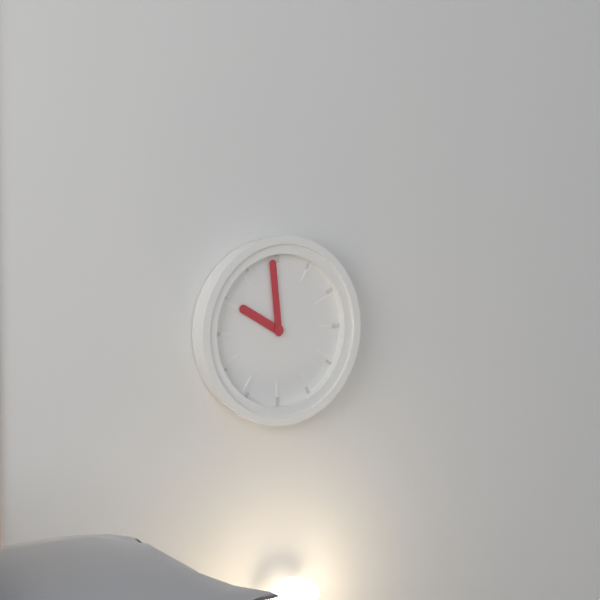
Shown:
9 h 59 min
